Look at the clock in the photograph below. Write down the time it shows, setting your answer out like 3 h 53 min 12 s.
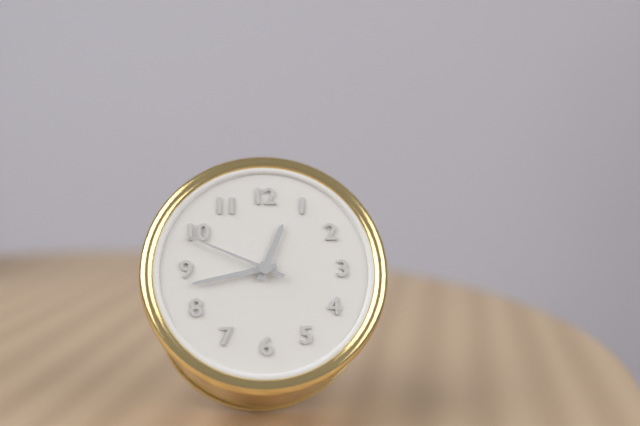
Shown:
12 h 43 min 49 s
